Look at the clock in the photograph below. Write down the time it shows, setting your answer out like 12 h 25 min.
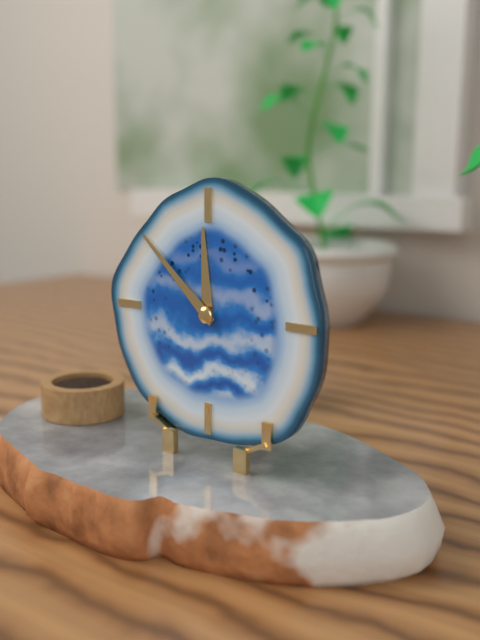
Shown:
11 h 52 min
